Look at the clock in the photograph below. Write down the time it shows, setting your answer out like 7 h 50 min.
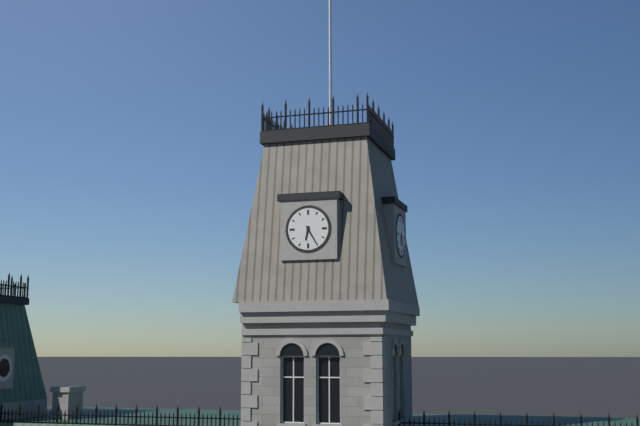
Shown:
6 h 25 min
